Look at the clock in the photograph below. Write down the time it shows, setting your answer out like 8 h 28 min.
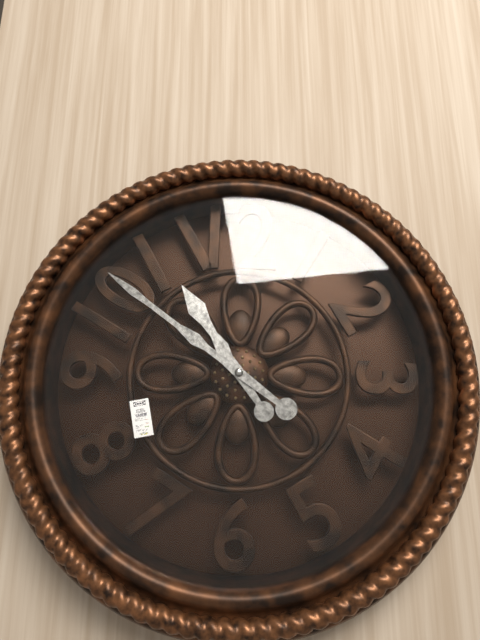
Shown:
10 h 51 min
